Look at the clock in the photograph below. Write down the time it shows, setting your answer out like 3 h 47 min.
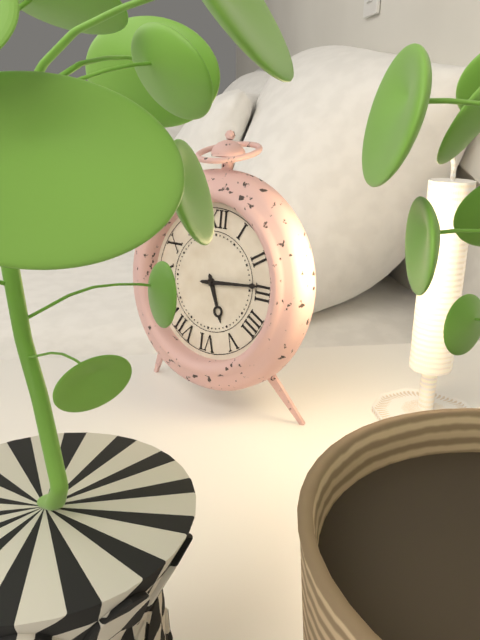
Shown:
5 h 14 min
